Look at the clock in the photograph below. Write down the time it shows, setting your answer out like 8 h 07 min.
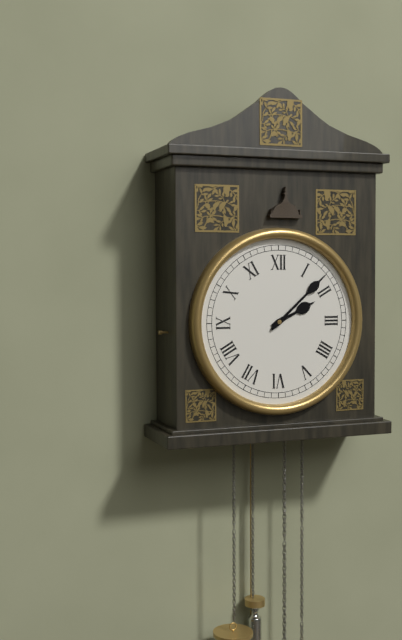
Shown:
2 h 08 min
